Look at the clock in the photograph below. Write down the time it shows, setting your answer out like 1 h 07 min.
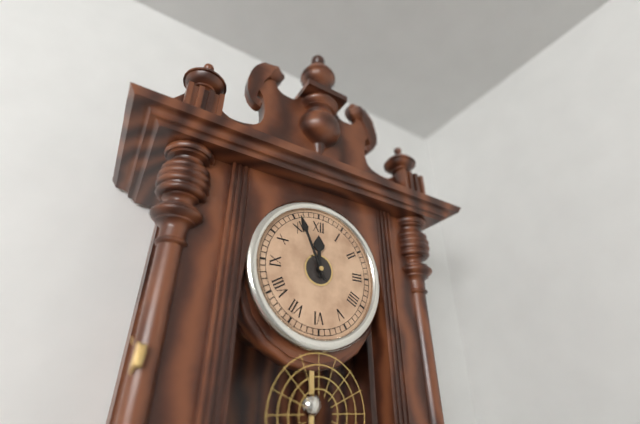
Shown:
11 h 56 min
